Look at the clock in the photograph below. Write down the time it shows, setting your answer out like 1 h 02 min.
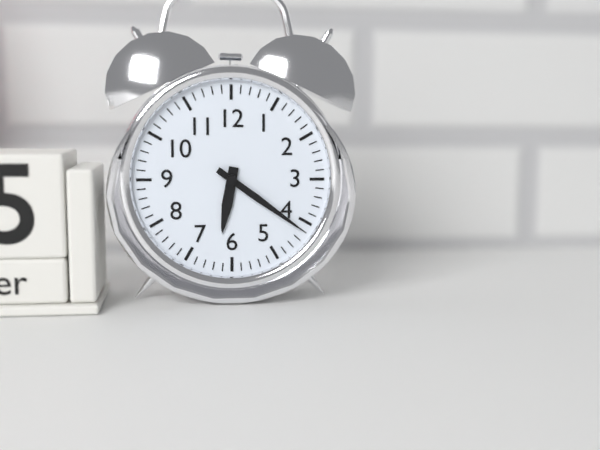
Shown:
6 h 21 min
